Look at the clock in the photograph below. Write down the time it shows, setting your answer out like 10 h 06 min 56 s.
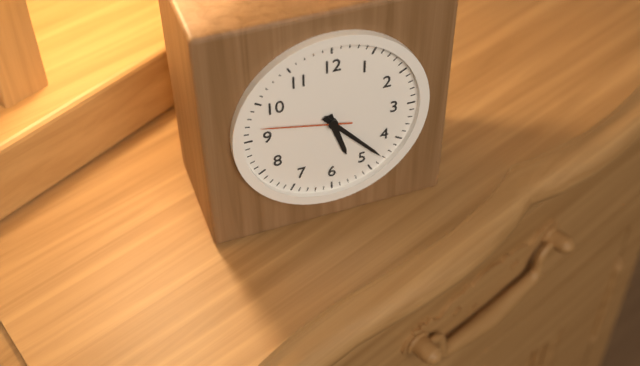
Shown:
5 h 23 min 47 s
